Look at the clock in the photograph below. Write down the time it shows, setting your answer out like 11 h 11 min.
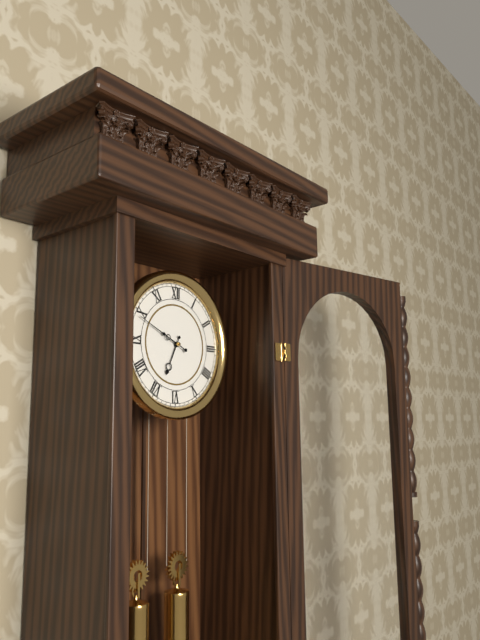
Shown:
6 h 49 min
